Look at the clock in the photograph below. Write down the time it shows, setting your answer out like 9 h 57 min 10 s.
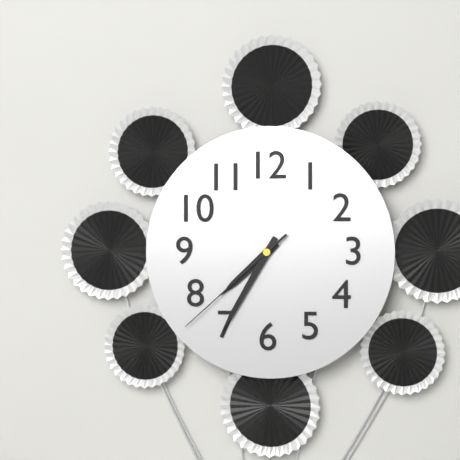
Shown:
7 h 35 min 38 s
